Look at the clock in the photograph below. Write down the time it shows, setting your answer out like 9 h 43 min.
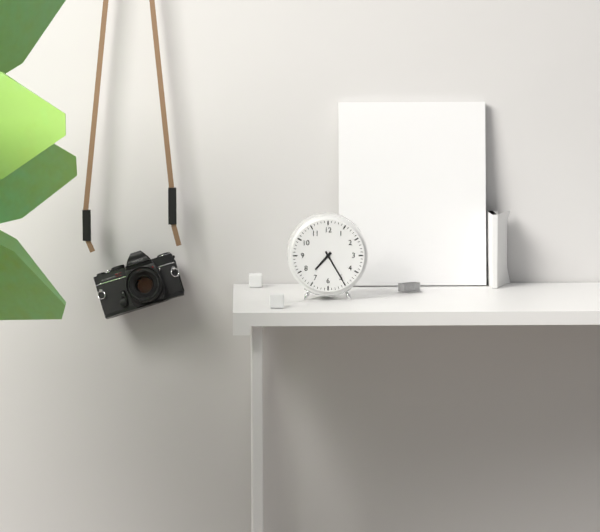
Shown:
7 h 25 min
